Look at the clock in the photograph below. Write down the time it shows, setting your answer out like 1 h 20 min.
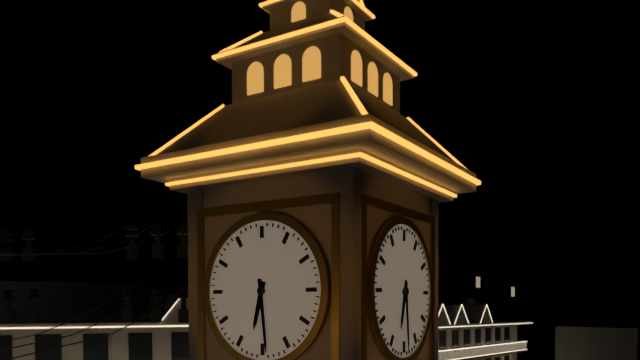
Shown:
6 h 29 min
